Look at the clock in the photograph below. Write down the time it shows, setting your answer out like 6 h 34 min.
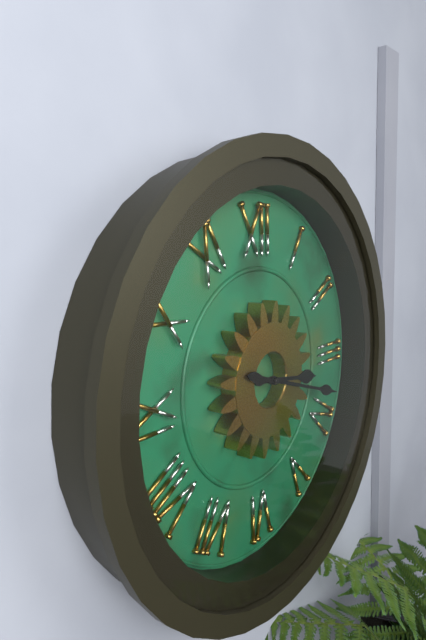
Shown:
3 h 18 min
